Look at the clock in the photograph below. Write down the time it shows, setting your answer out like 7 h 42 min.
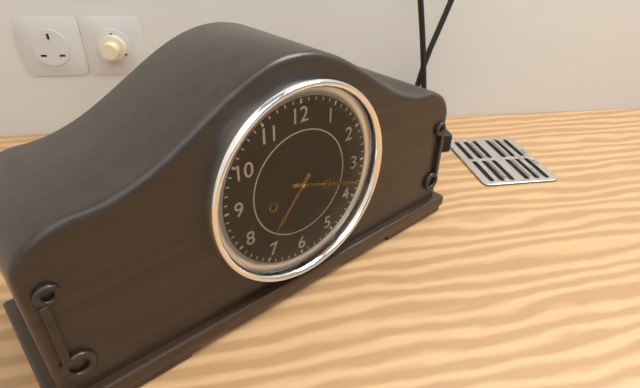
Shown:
7 h 18 min
